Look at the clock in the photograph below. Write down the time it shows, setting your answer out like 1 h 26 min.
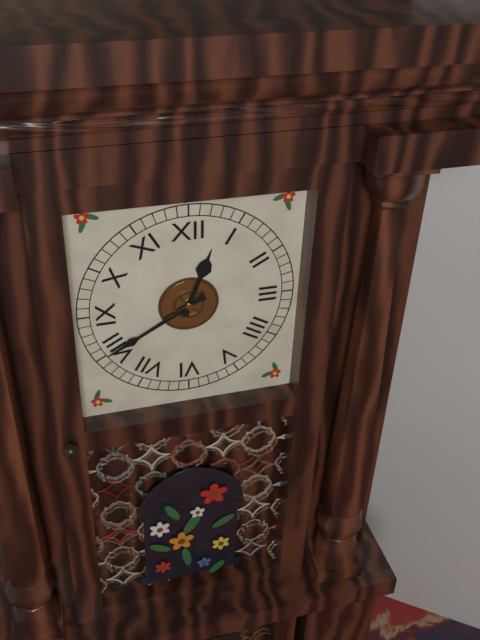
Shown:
12 h 40 min
